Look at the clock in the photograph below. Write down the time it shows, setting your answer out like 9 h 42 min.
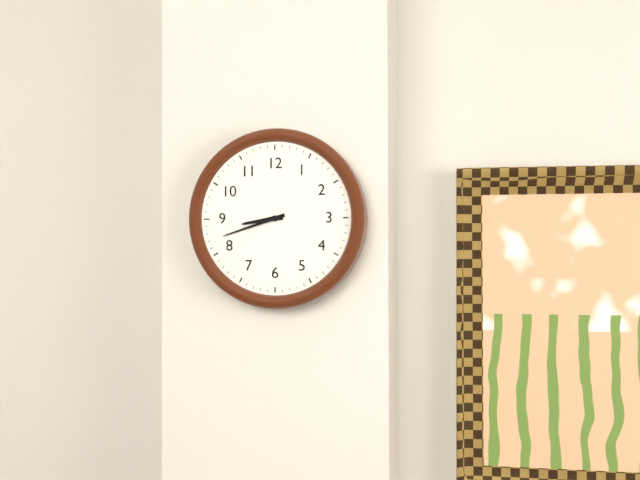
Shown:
8 h 42 min
